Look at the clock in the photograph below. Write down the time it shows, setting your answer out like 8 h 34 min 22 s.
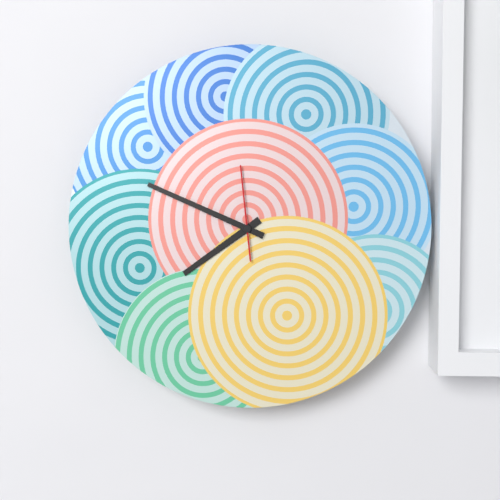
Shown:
7 h 49 min 59 s
